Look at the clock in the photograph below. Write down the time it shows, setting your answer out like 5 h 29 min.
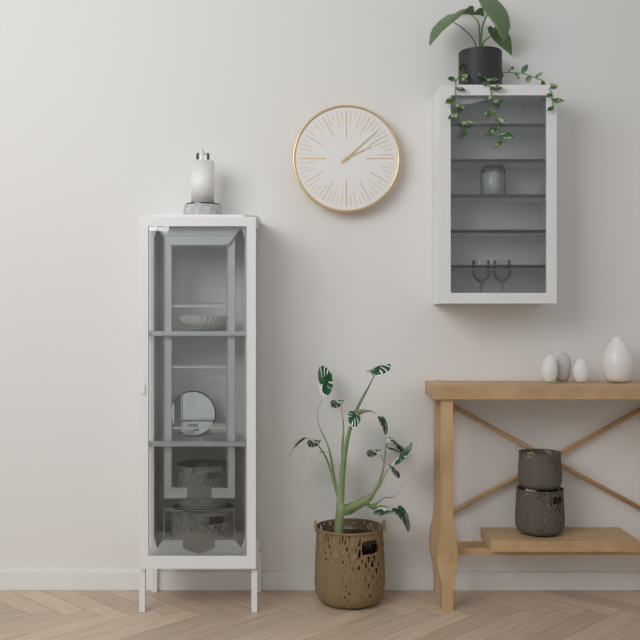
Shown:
2 h 08 min
